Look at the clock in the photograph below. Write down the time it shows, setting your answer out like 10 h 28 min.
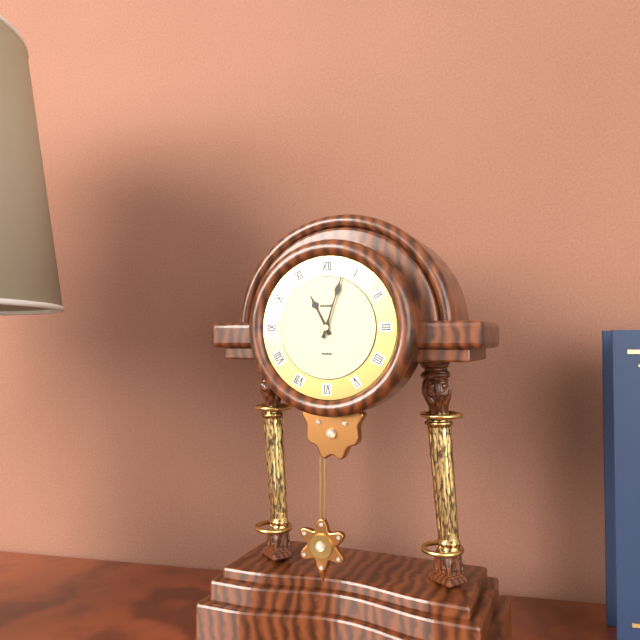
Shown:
11 h 03 min
